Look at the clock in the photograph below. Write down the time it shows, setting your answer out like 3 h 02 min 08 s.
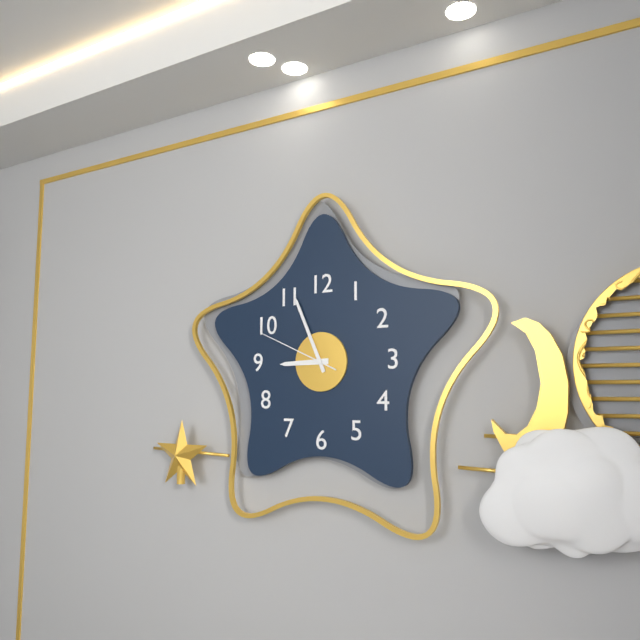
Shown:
8 h 56 min 49 s
